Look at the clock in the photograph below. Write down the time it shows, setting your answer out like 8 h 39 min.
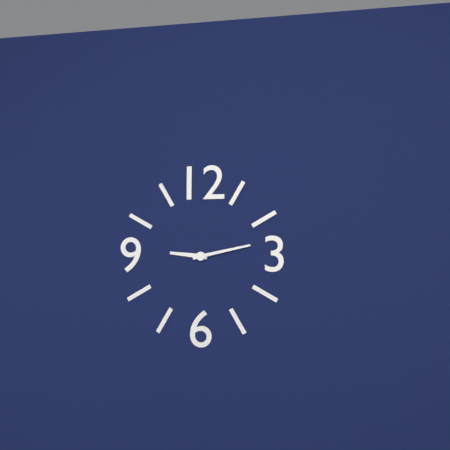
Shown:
9 h 13 min
